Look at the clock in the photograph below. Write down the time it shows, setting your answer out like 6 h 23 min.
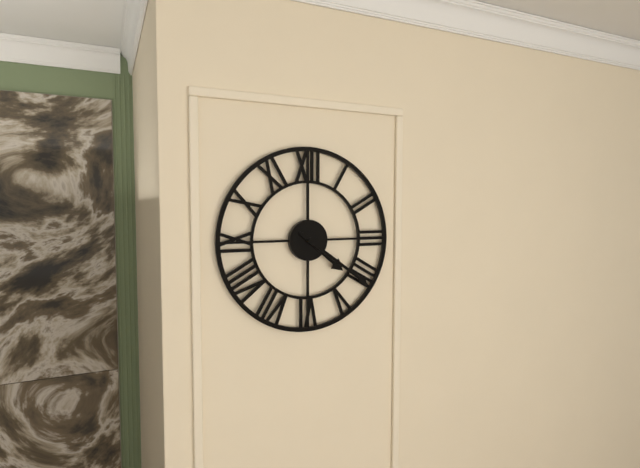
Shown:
4 h 21 min
